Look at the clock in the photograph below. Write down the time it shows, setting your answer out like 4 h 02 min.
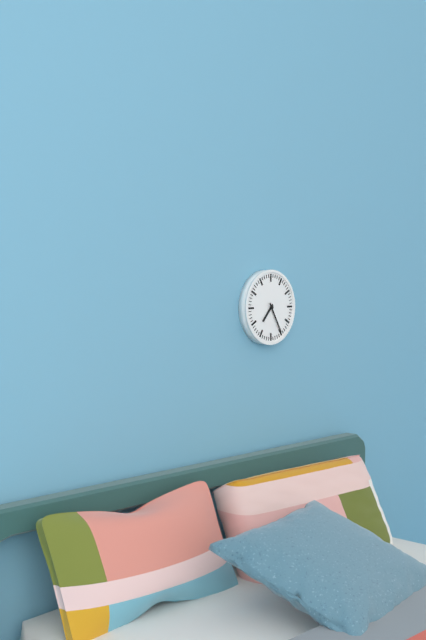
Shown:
7 h 25 min
